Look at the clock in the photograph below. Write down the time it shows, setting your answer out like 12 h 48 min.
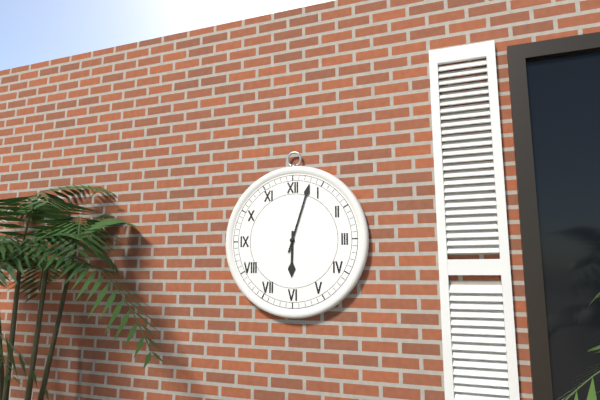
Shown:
6 h 03 min
